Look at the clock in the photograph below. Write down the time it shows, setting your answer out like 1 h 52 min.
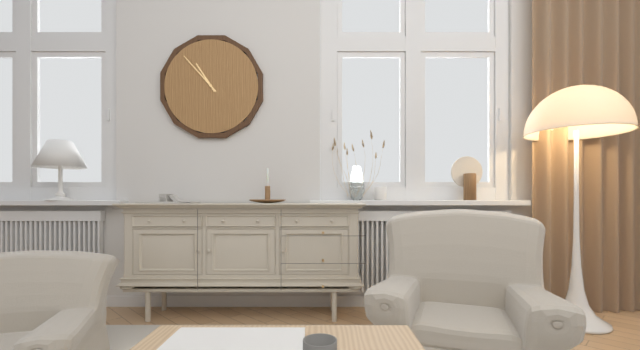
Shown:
10 h 53 min
